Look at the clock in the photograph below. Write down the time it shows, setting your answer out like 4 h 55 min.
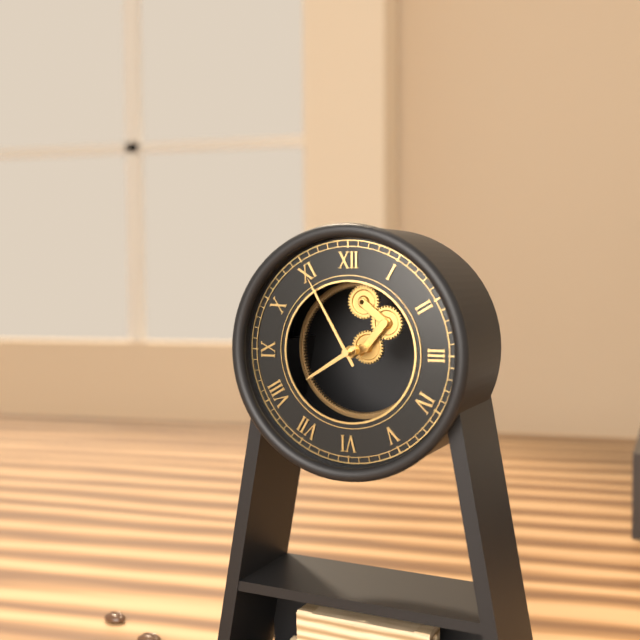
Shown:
7 h 55 min
